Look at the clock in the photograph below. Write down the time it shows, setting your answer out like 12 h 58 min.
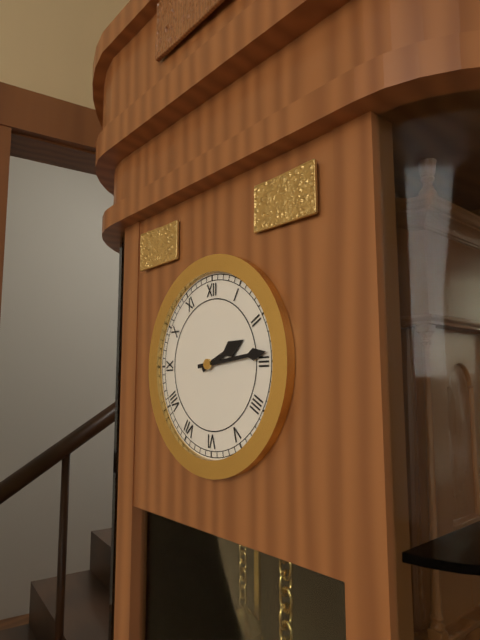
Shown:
2 h 14 min
